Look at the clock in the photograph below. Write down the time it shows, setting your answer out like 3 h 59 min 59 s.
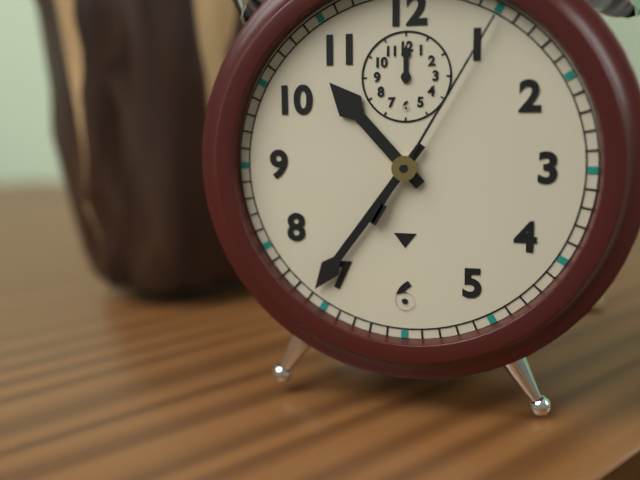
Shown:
10 h 36 min 05 s
